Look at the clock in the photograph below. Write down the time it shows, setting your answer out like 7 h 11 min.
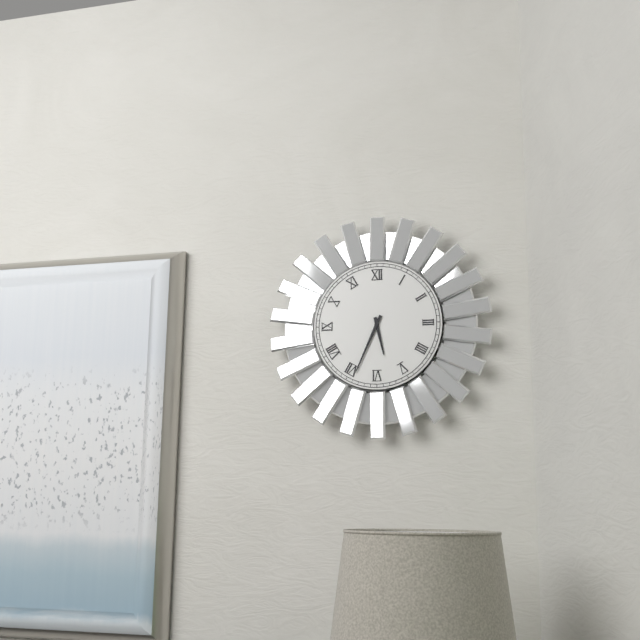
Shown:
5 h 34 min
